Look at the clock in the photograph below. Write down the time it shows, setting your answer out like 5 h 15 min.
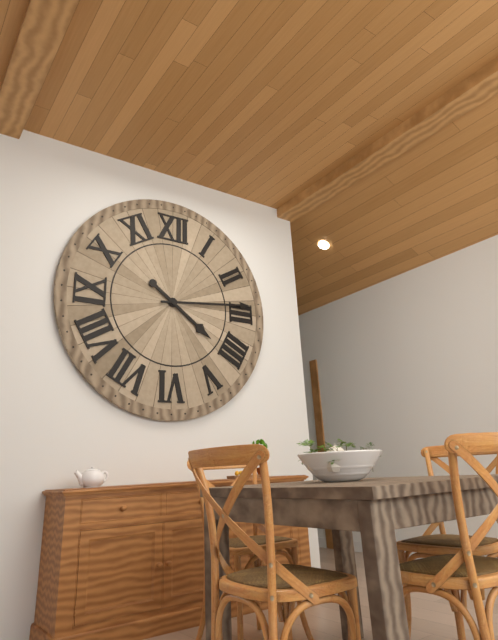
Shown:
4 h 14 min
